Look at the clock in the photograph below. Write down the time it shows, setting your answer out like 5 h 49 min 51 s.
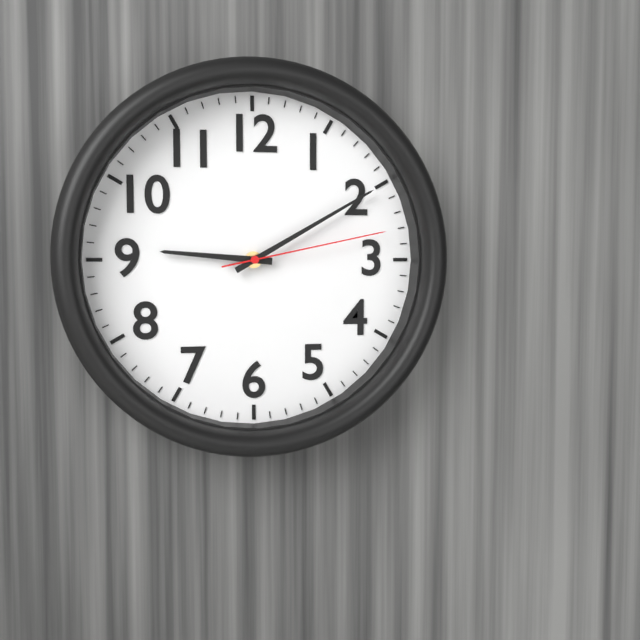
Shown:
9 h 10 min 13 s
